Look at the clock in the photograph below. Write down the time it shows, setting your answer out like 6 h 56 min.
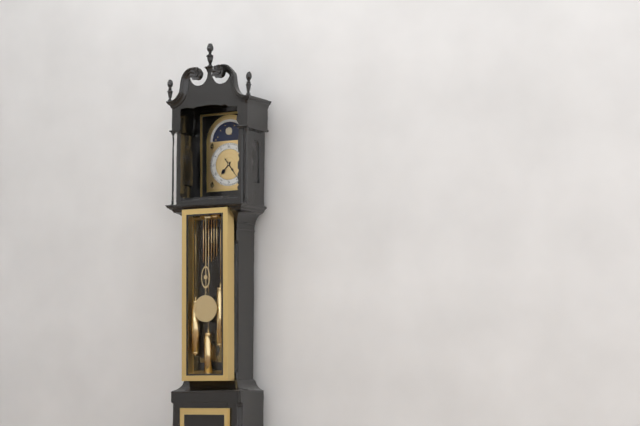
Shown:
7 h 24 min
